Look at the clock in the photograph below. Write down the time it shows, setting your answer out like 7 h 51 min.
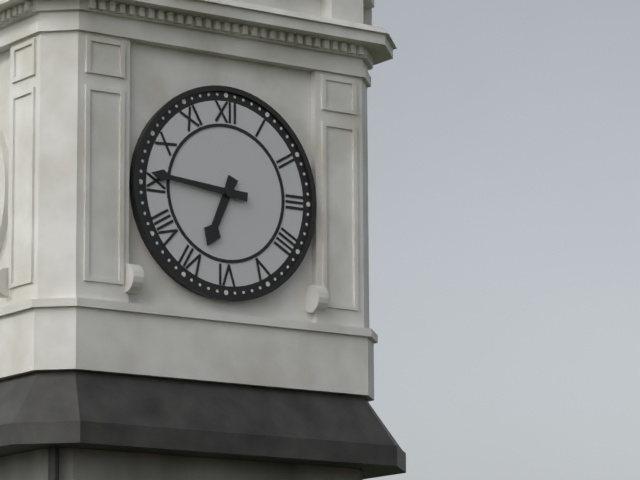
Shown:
6 h 46 min
